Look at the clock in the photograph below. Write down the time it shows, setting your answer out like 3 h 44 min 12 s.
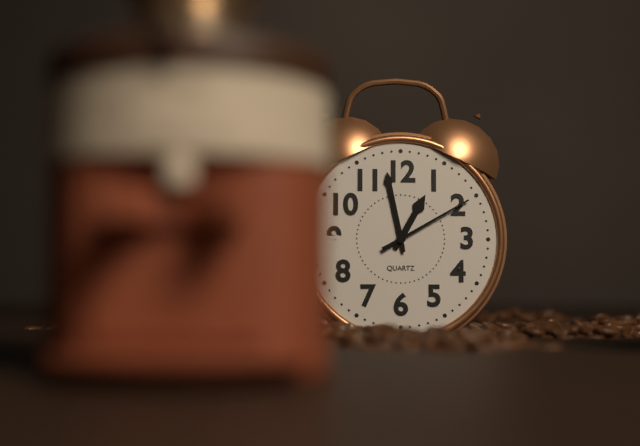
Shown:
12 h 58 min 10 s
